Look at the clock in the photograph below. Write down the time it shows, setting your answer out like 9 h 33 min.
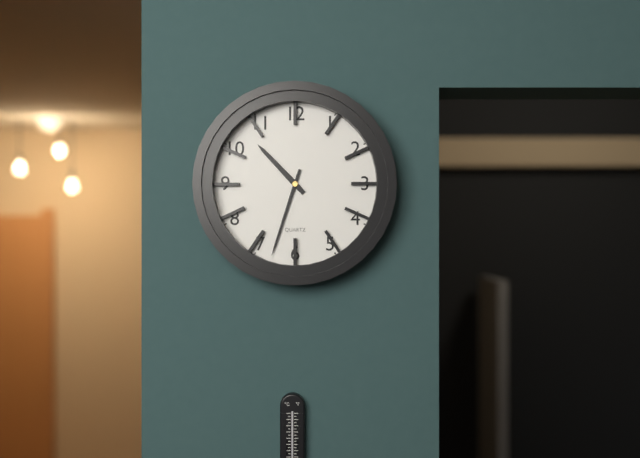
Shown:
10 h 33 min
